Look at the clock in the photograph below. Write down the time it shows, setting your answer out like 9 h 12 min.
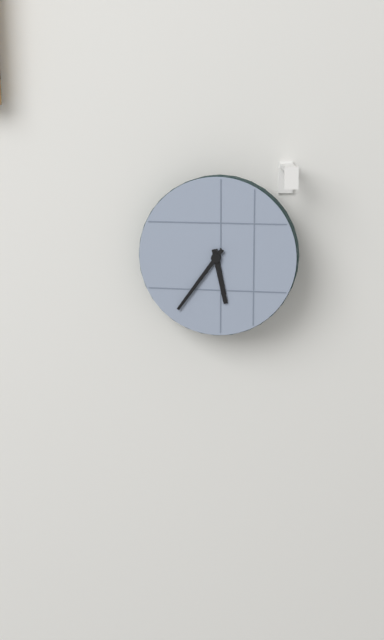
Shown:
5 h 36 min
